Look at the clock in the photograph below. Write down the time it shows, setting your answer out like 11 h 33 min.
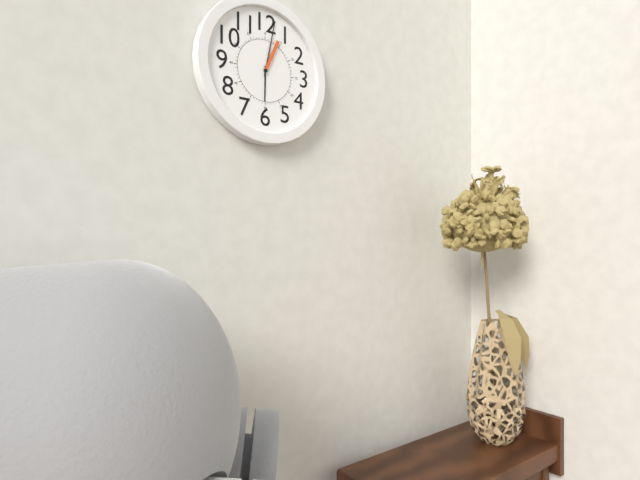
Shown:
6 h 02 min
